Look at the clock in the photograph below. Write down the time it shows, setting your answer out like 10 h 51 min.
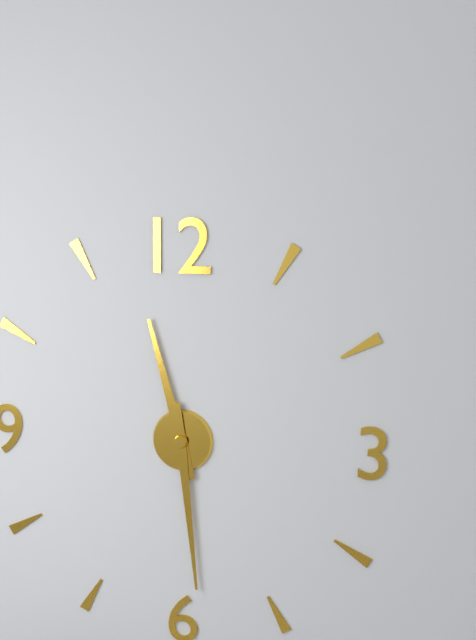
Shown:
11 h 29 min
